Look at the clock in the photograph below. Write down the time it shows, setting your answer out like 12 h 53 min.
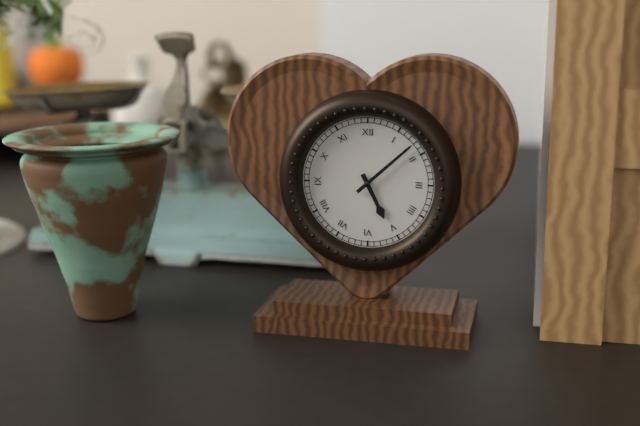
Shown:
5 h 08 min
